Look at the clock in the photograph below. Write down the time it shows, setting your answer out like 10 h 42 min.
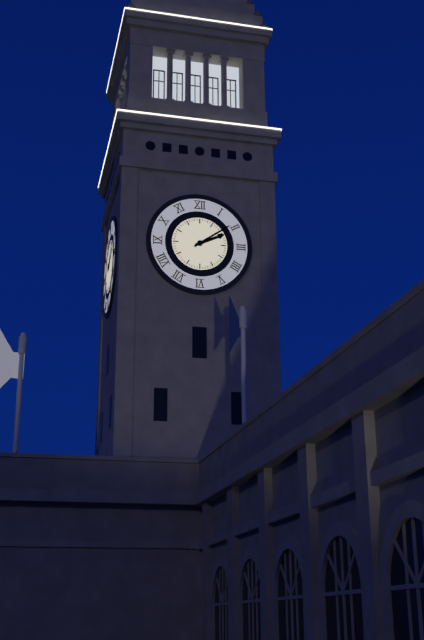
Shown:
2 h 09 min
